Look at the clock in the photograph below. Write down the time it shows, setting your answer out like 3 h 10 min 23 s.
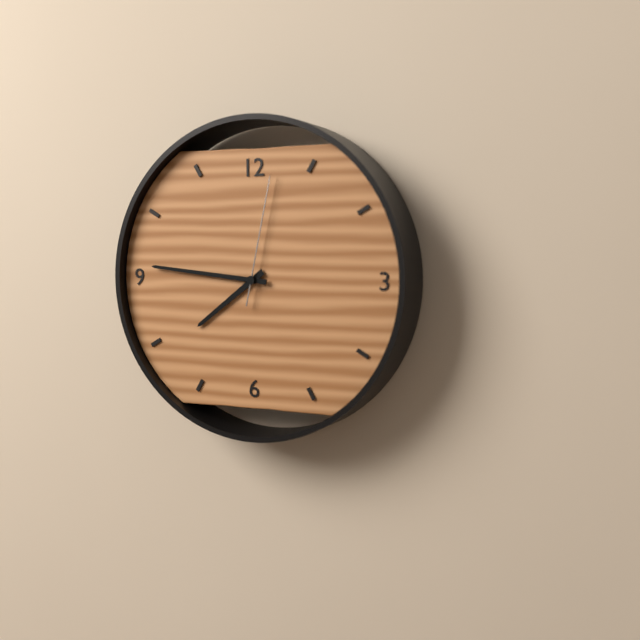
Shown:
7 h 46 min 02 s
